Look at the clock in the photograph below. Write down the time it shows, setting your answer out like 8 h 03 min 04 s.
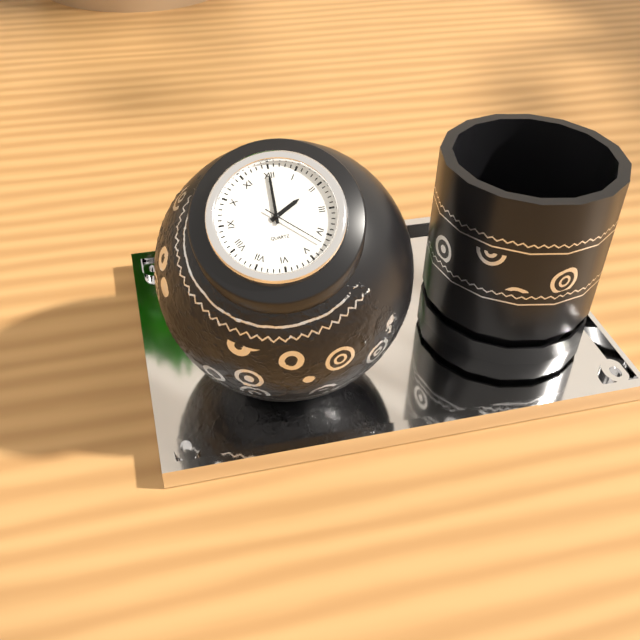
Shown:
2 h 00 min 22 s
